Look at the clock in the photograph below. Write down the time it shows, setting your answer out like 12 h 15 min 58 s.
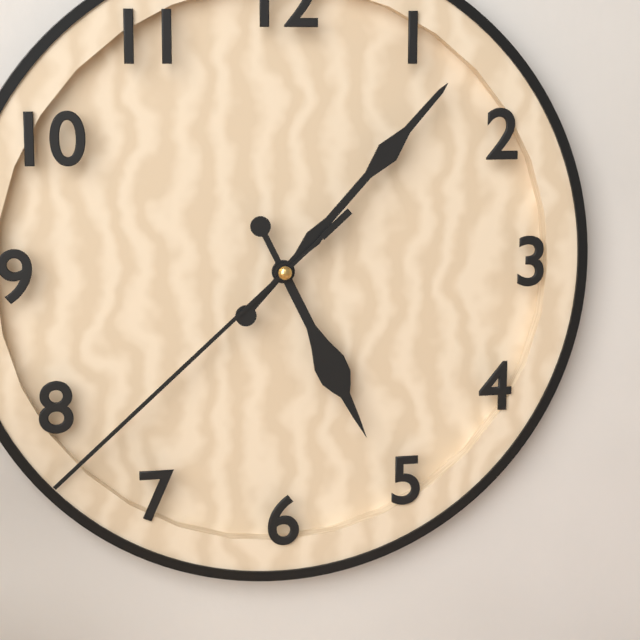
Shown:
5 h 07 min 38 s
